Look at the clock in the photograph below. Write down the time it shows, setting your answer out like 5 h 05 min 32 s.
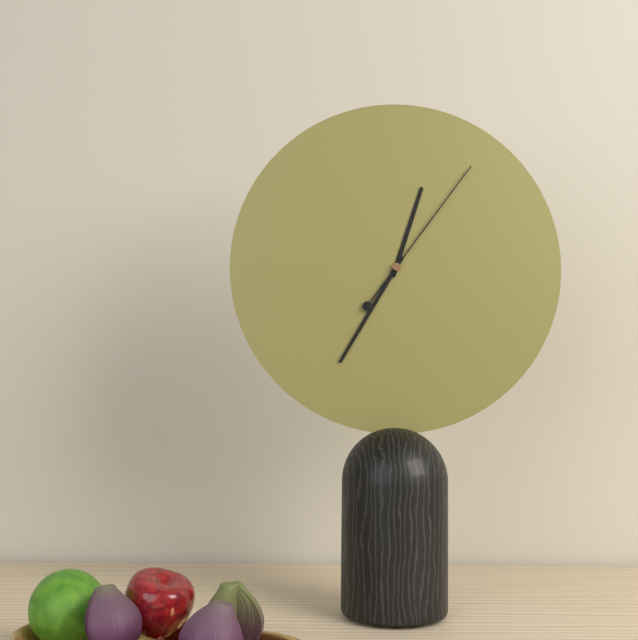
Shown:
12 h 35 min 06 s
